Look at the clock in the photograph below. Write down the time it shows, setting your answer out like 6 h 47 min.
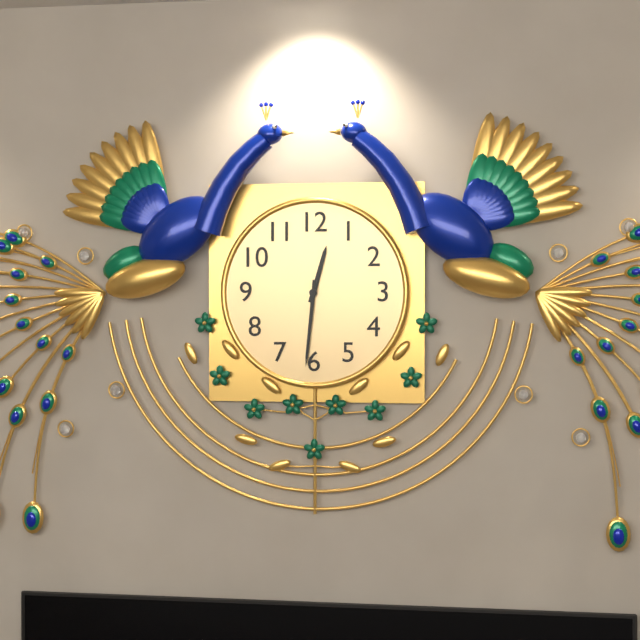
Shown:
12 h 31 min
